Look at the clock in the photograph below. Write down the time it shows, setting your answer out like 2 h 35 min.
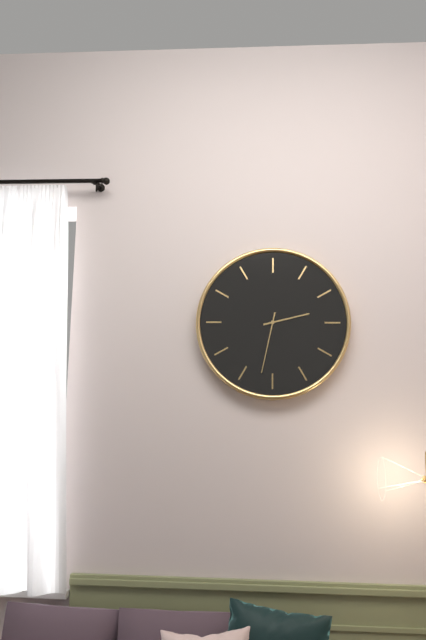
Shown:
2 h 32 min
